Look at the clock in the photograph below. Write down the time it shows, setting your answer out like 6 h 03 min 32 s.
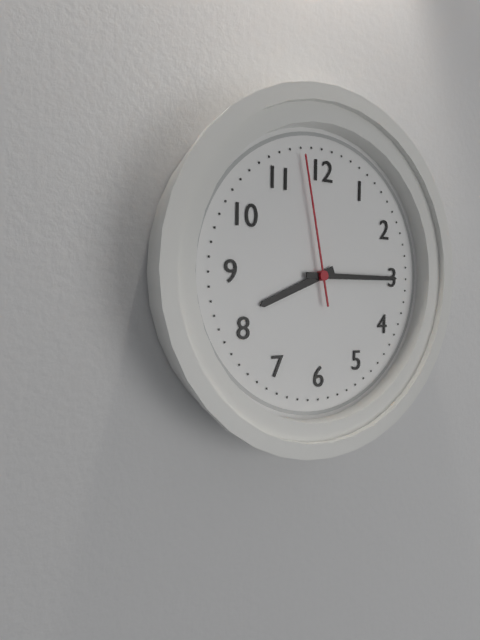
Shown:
8 h 15 min 58 s
